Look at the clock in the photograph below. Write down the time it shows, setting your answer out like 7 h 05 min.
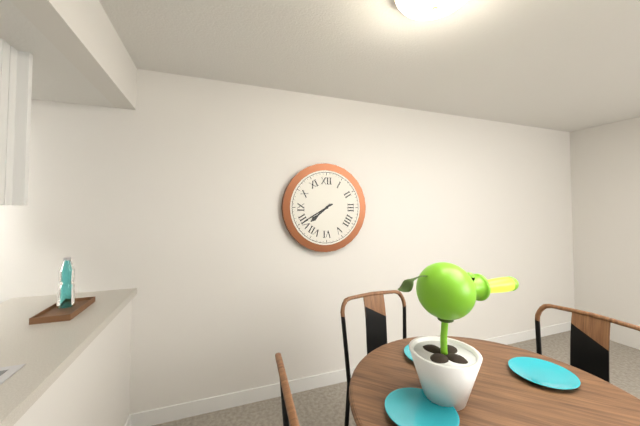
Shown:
7 h 40 min
